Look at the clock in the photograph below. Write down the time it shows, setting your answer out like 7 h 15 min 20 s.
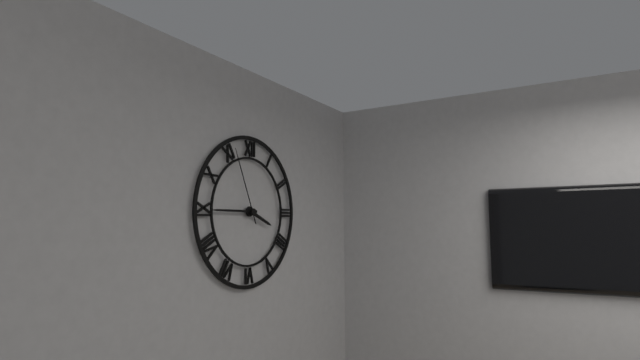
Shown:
3 h 45 min 56 s
